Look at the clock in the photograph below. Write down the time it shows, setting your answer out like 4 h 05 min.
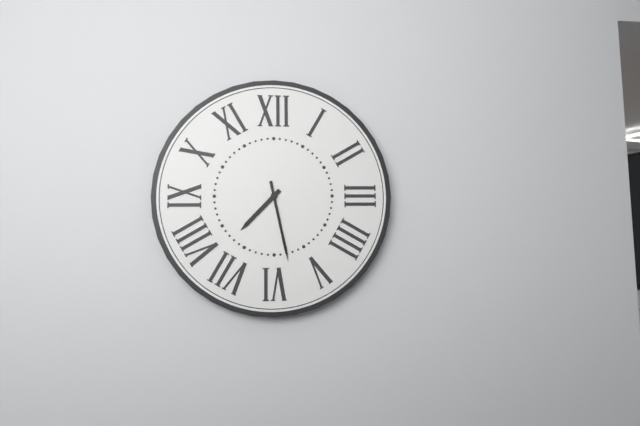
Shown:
7 h 28 min
